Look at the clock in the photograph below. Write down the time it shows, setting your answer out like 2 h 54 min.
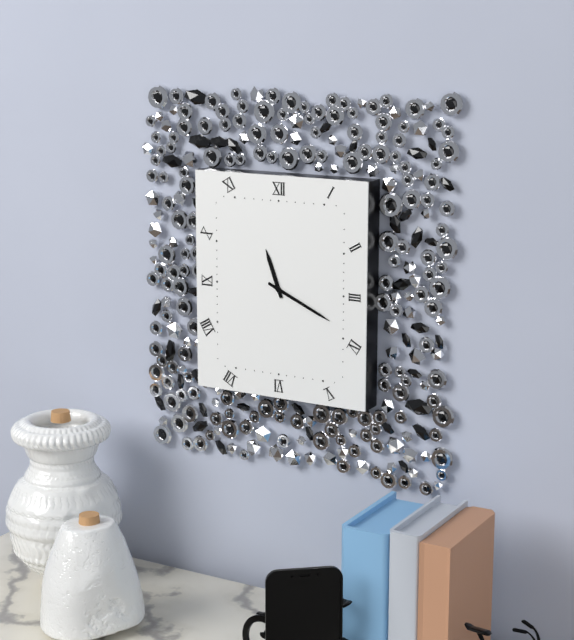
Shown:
11 h 19 min
